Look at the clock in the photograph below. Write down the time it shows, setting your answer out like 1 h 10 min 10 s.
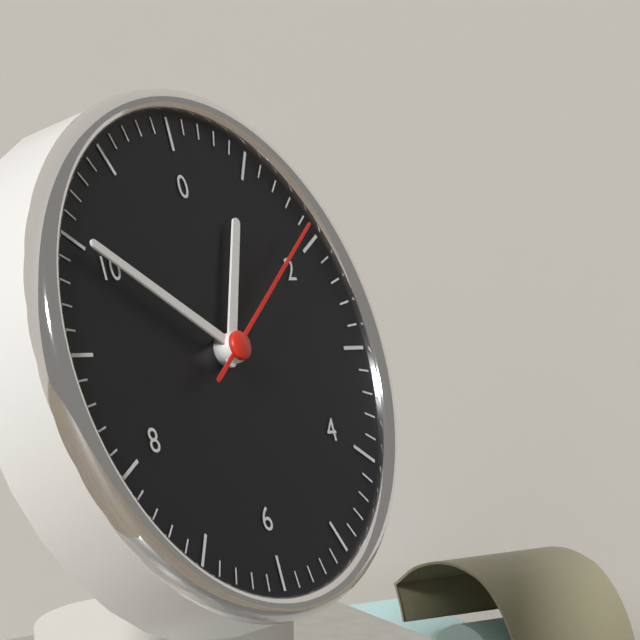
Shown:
12 h 50 min 09 s
